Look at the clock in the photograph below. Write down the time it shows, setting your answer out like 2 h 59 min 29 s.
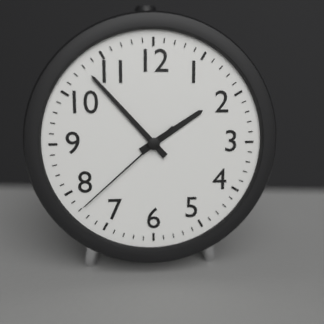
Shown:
1 h 53 min 38 s
